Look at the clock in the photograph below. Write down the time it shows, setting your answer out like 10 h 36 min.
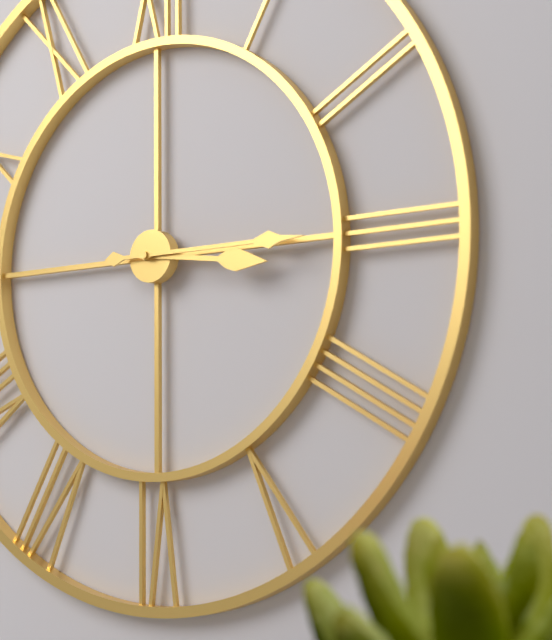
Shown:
3 h 15 min
